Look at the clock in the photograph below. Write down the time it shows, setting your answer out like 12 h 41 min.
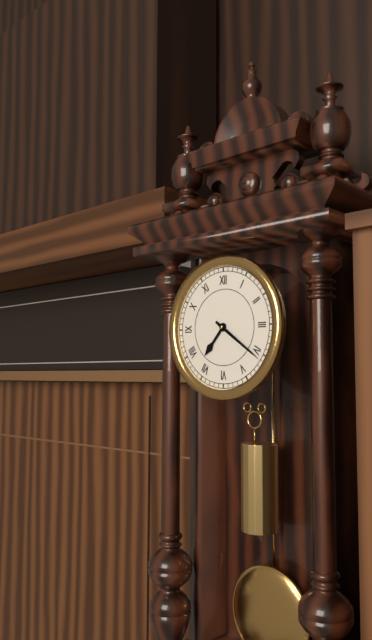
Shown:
7 h 21 min
